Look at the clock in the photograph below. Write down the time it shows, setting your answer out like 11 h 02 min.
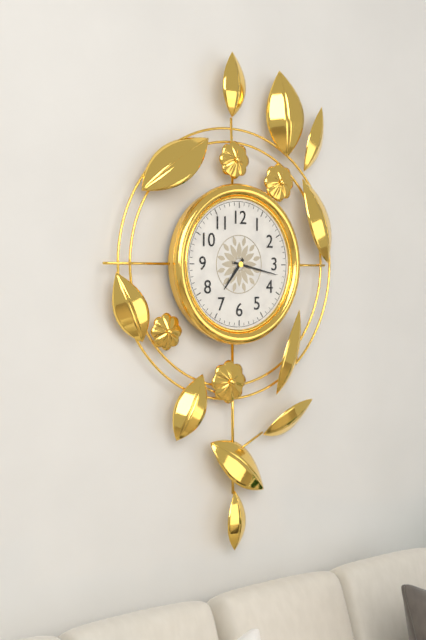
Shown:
7 h 17 min
